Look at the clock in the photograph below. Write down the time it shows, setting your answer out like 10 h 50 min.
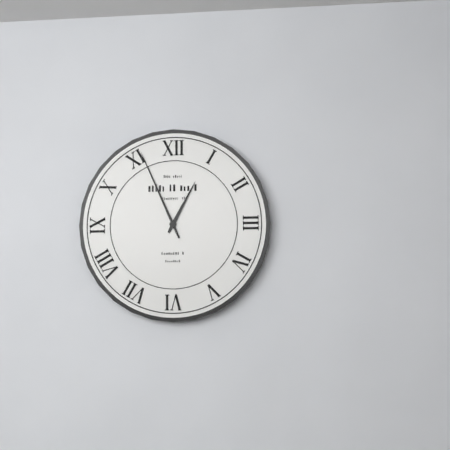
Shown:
12 h 56 min
